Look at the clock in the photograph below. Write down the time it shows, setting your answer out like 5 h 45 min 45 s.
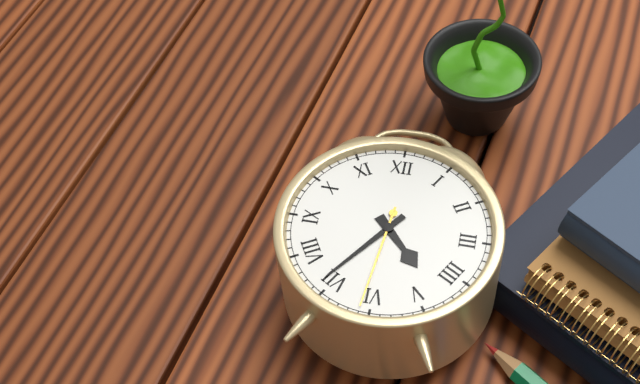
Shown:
4 h 36 min 31 s
